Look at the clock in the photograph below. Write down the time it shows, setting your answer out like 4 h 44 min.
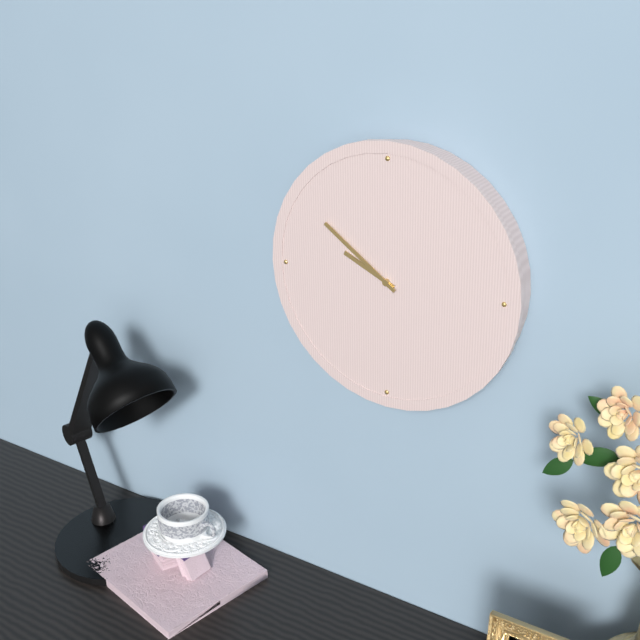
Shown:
9 h 51 min
